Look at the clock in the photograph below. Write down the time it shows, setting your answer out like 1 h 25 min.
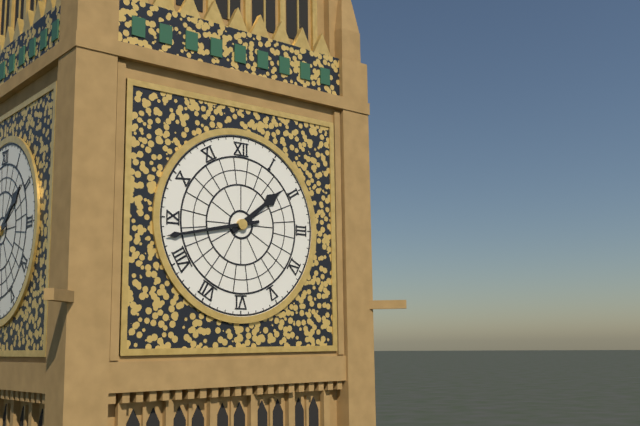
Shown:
1 h 43 min
